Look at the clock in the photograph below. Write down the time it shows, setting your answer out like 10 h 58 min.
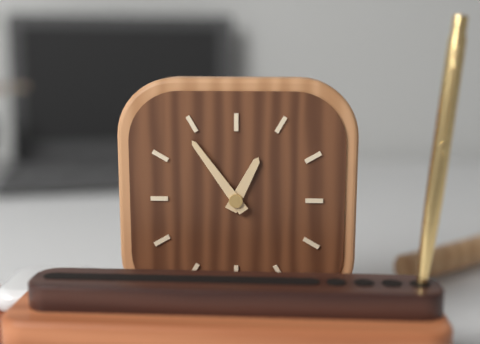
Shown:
12 h 54 min
